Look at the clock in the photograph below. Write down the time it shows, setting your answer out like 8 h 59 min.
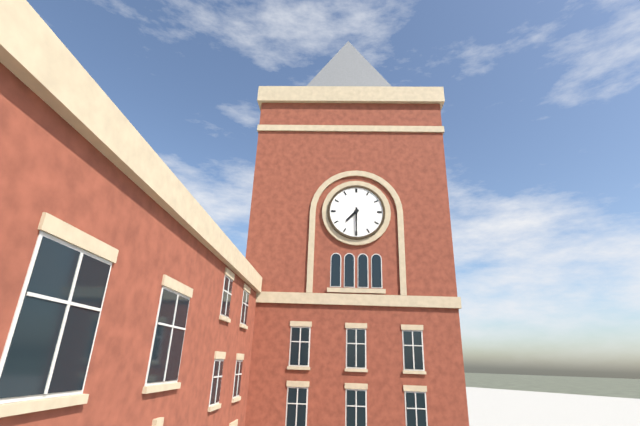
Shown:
7 h 30 min
